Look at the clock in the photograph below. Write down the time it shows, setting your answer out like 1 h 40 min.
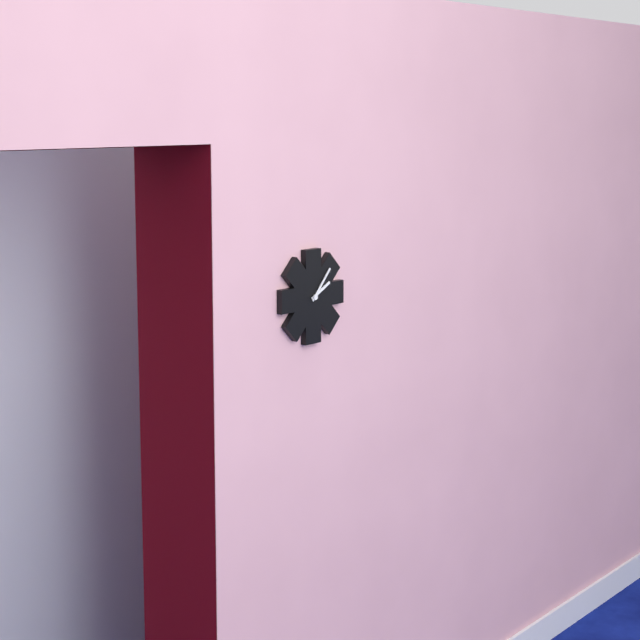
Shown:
2 h 07 min
